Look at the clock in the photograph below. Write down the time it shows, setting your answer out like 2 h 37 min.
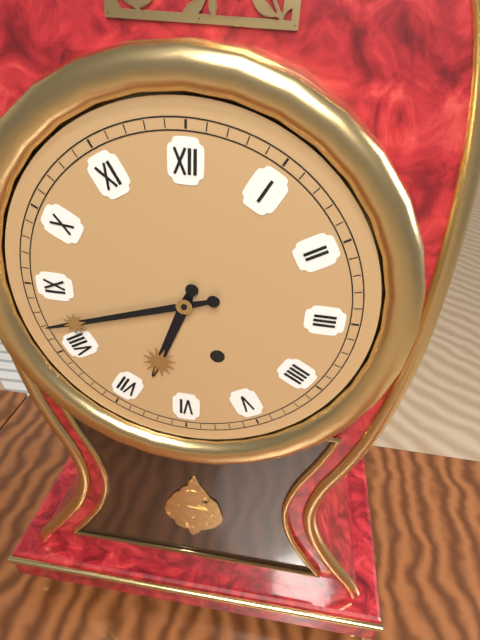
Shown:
6 h 42 min
